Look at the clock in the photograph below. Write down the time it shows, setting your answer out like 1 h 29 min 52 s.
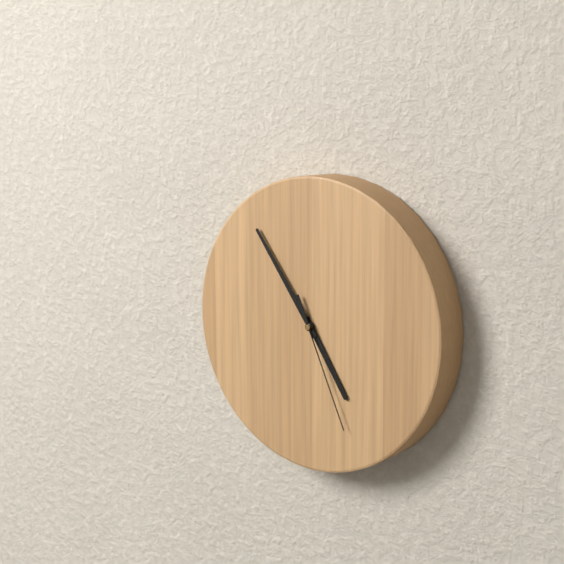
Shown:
4 h 54 min 26 s
